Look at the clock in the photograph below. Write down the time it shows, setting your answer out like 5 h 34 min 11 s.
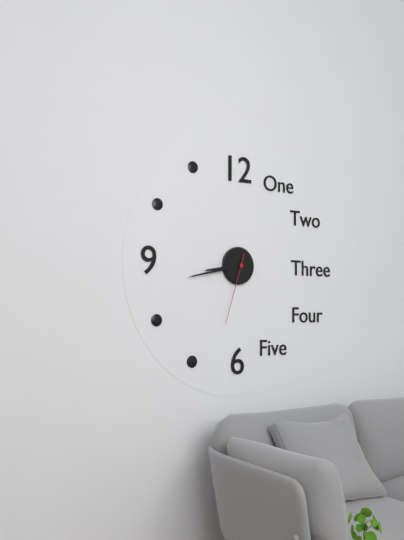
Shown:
8 h 43 min 33 s
